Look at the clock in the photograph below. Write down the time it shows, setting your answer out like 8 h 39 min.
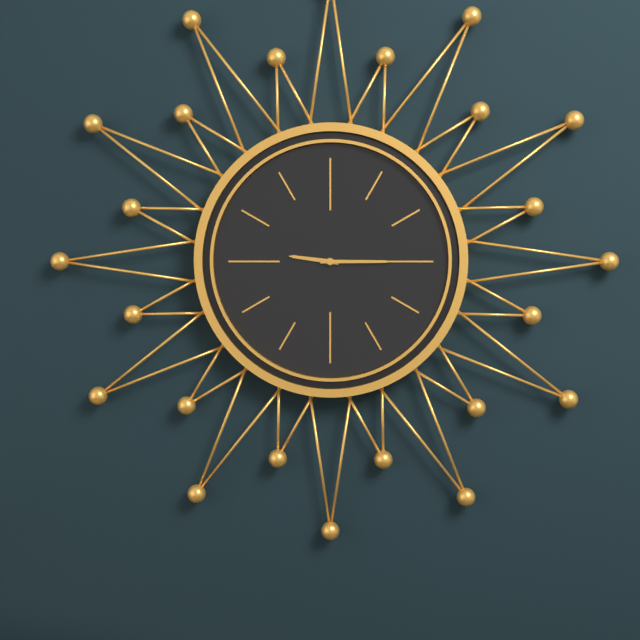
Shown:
9 h 15 min
